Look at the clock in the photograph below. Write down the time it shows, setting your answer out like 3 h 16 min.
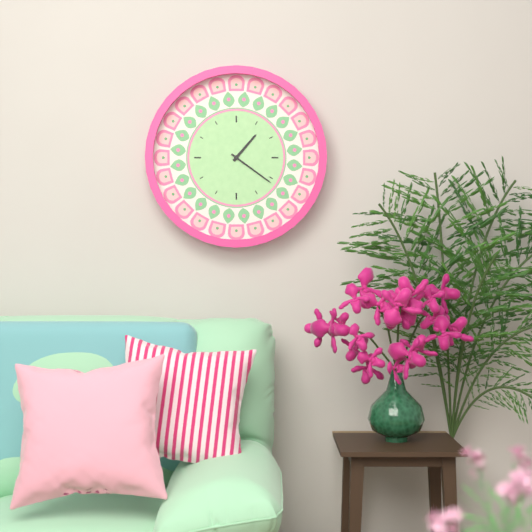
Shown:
1 h 21 min
